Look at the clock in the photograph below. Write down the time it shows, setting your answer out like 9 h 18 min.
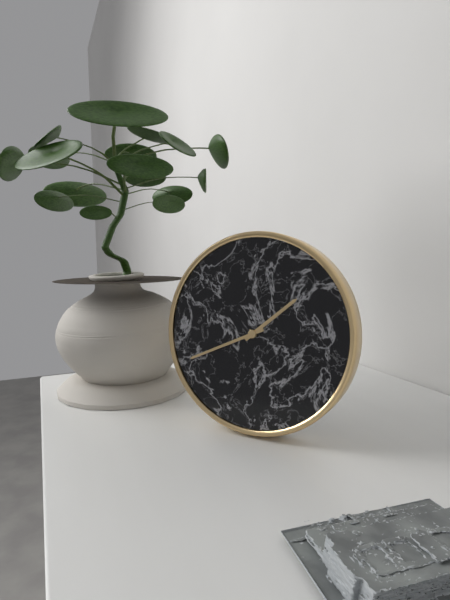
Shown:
1 h 41 min
